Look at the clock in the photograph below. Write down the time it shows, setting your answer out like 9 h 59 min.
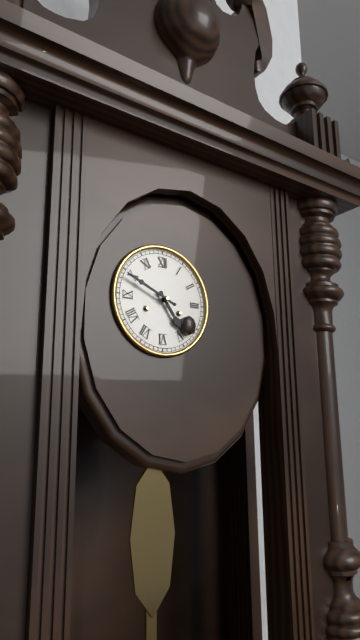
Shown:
4 h 49 min
